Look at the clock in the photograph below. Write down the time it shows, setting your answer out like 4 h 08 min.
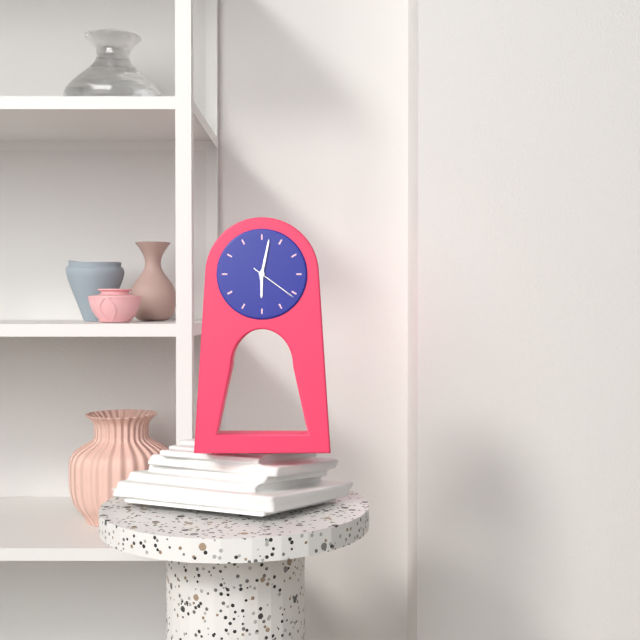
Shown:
6 h 02 min
